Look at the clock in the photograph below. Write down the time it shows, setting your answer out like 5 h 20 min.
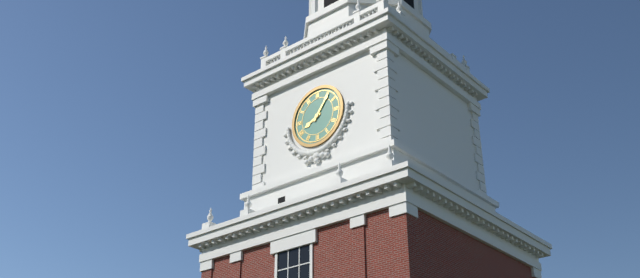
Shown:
8 h 06 min
